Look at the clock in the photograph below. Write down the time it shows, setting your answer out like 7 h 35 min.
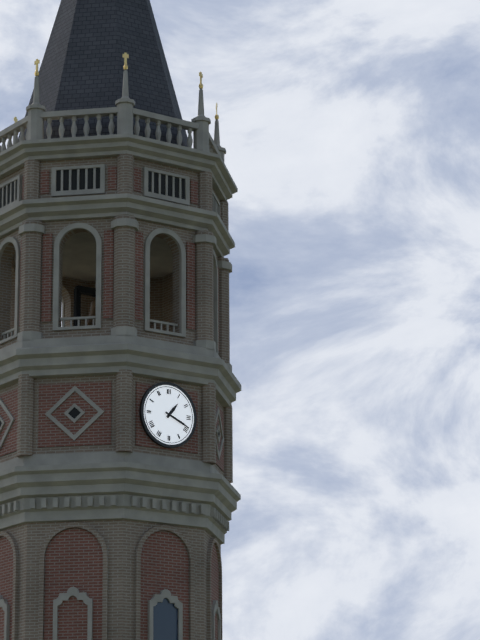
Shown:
1 h 19 min
